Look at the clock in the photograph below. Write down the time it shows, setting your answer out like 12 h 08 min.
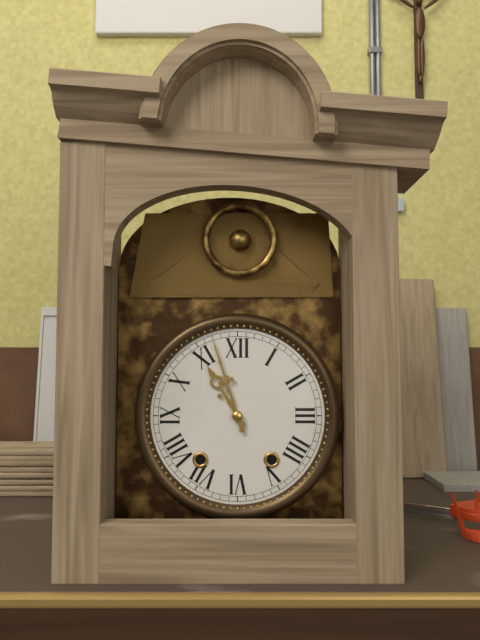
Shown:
10 h 57 min
